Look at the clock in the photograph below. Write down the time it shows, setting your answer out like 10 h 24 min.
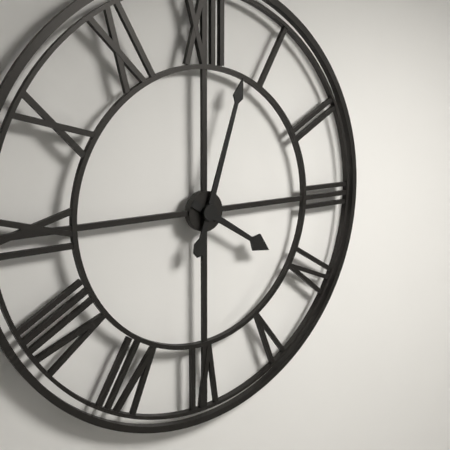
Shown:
4 h 03 min
